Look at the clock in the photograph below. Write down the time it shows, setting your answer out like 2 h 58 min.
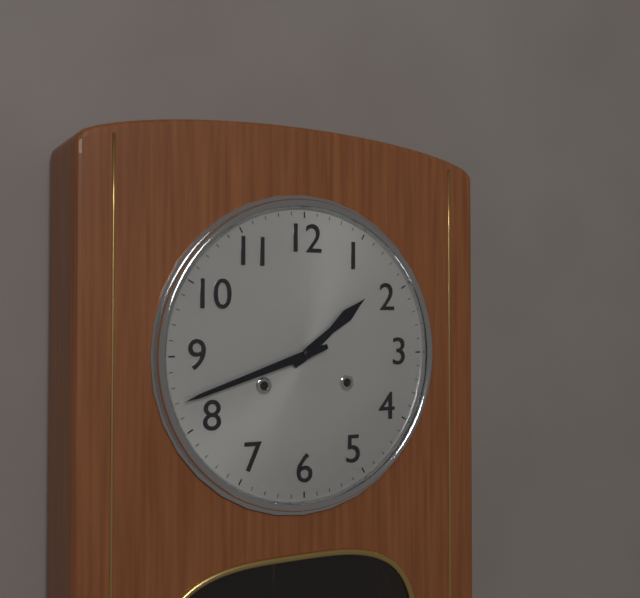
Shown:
1 h 42 min
